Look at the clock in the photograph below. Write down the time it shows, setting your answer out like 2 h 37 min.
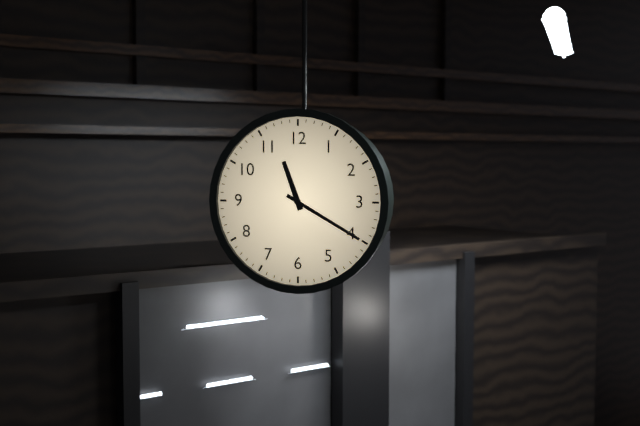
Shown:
11 h 20 min
